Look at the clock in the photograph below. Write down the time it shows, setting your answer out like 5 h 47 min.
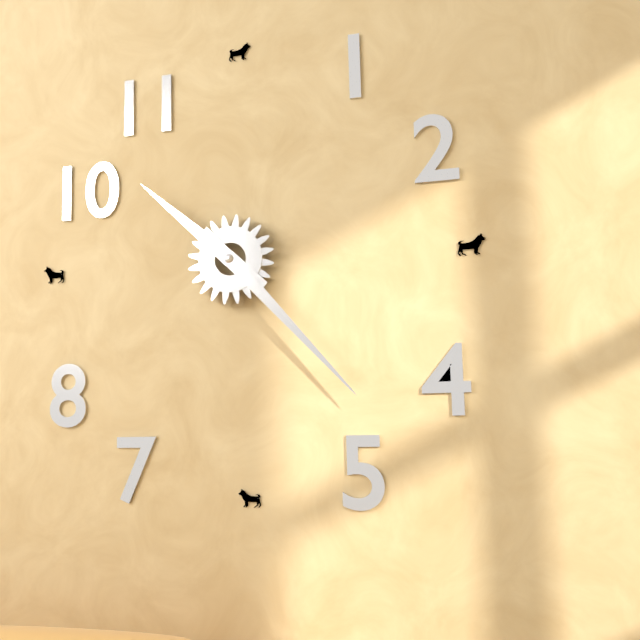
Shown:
10 h 23 min
